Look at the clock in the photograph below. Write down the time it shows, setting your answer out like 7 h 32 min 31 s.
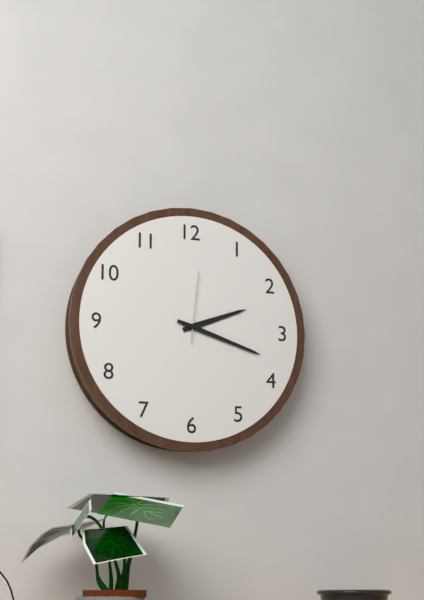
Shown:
2 h 18 min 01 s
